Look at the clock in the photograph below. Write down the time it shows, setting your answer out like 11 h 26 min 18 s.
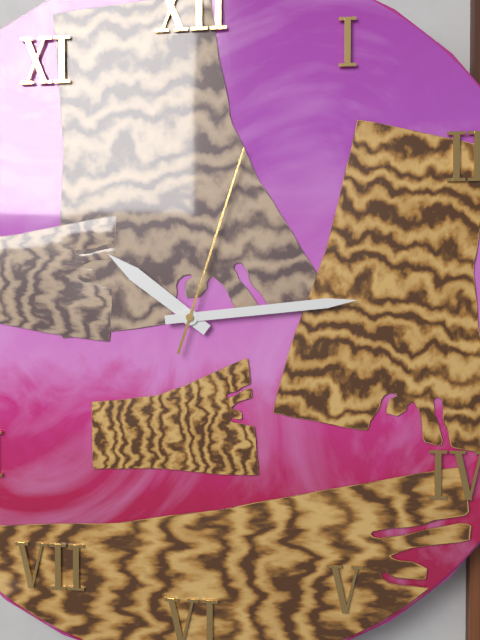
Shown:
10 h 14 min 03 s
